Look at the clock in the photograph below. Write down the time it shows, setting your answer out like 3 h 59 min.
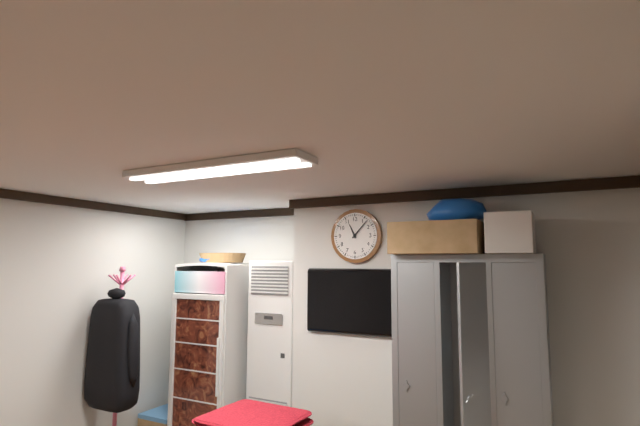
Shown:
11 h 07 min
